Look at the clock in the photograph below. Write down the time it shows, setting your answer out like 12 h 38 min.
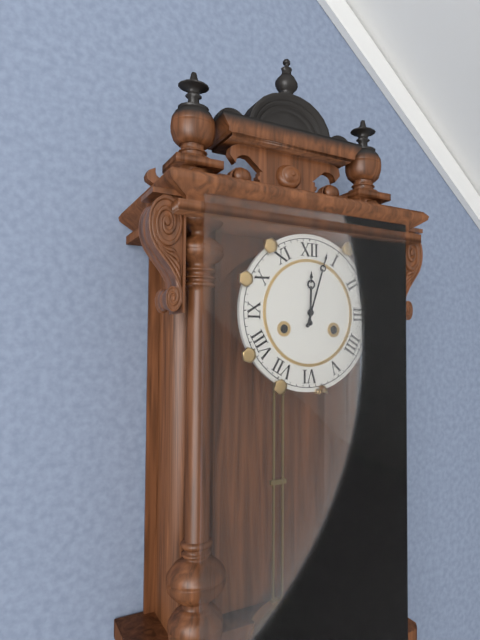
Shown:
12 h 03 min
